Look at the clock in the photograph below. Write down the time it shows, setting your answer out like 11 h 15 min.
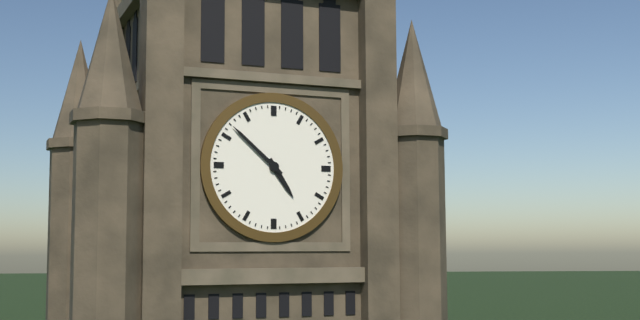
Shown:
4 h 52 min
